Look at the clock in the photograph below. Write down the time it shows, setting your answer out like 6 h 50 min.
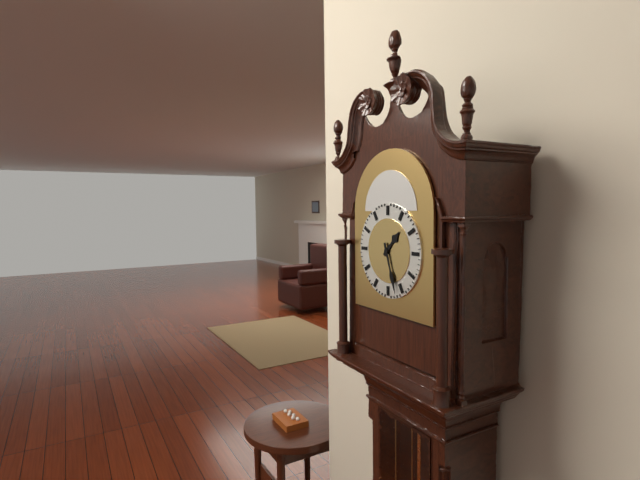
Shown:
1 h 27 min
